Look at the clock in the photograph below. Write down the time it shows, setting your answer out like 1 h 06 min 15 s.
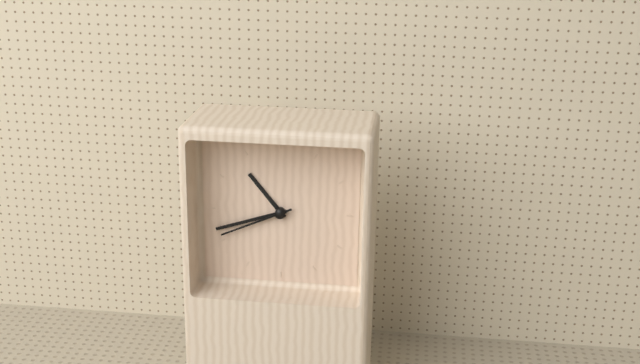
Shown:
10 h 42 min 41 s
